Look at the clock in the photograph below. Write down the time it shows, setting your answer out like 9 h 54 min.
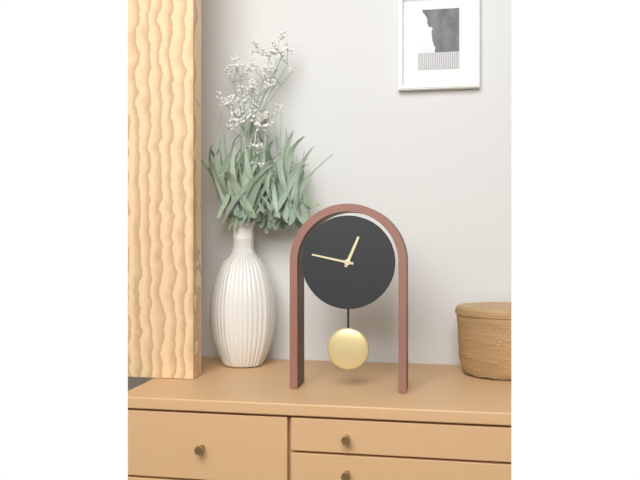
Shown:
12 h 47 min
